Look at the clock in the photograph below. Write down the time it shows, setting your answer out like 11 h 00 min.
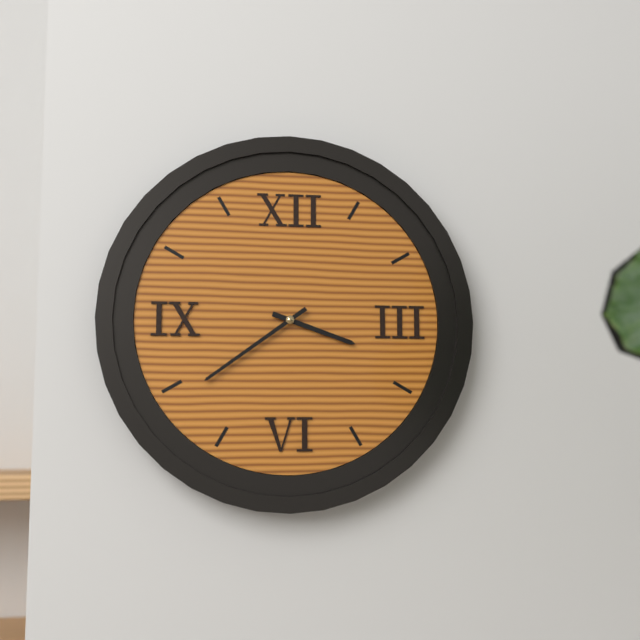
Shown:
3 h 39 min
